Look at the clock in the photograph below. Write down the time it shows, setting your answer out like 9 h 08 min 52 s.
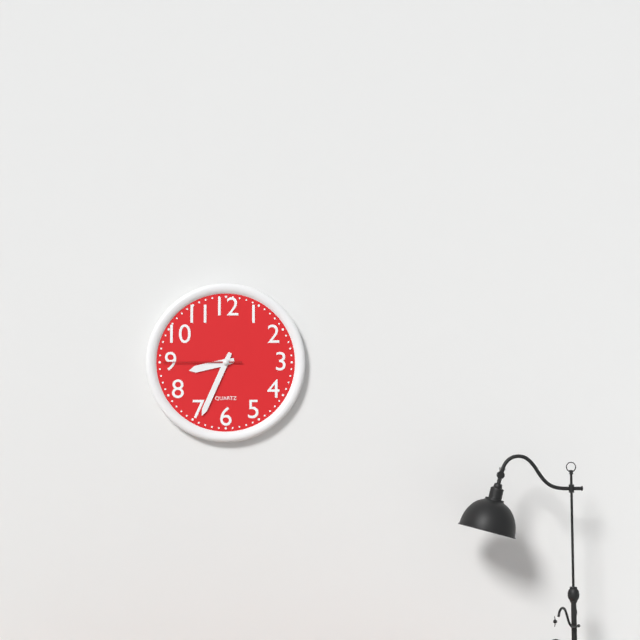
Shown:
8 h 34 min 45 s
